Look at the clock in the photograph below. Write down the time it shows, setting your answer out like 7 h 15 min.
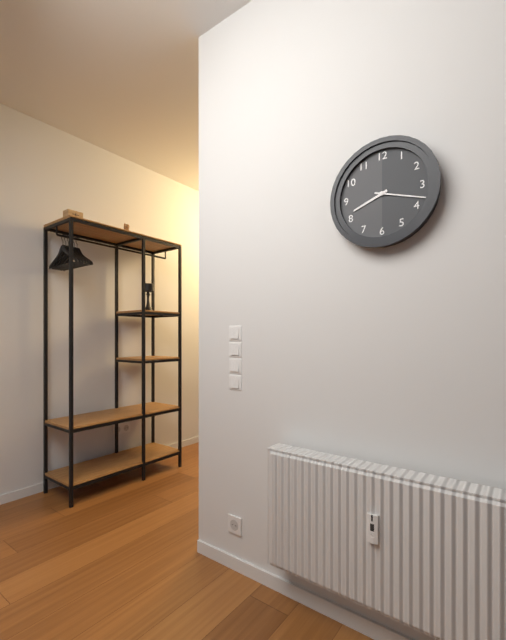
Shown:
8 h 18 min
